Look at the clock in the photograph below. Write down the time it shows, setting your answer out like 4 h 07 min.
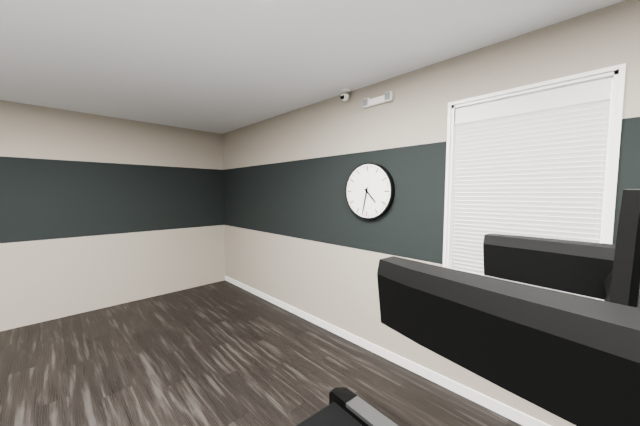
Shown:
4 h 32 min
